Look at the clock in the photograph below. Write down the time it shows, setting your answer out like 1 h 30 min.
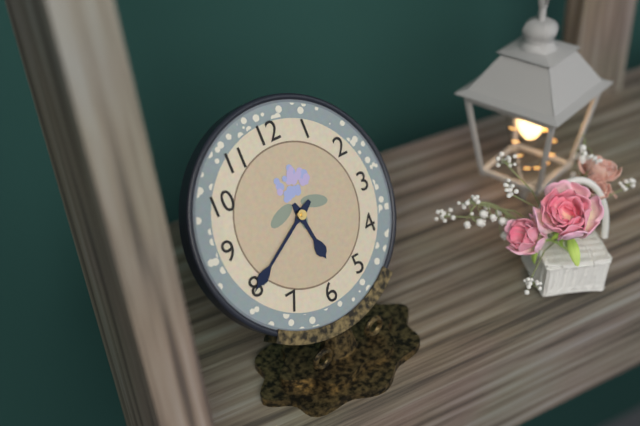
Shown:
5 h 40 min
